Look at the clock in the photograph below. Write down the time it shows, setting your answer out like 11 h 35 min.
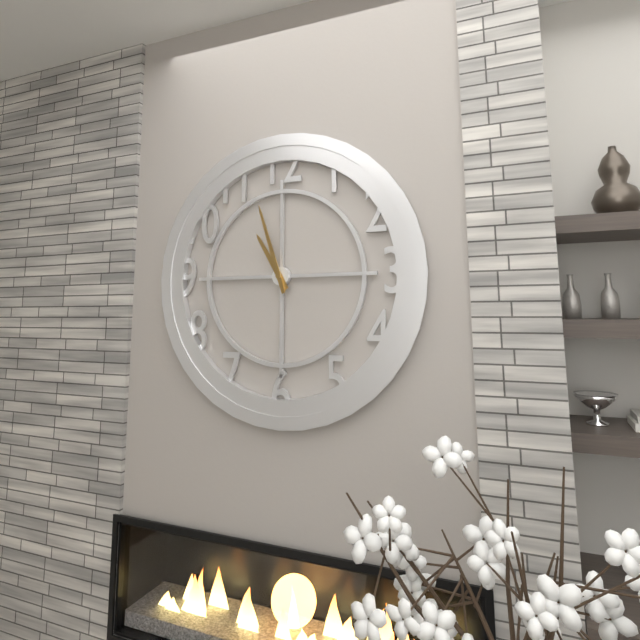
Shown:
10 h 57 min
